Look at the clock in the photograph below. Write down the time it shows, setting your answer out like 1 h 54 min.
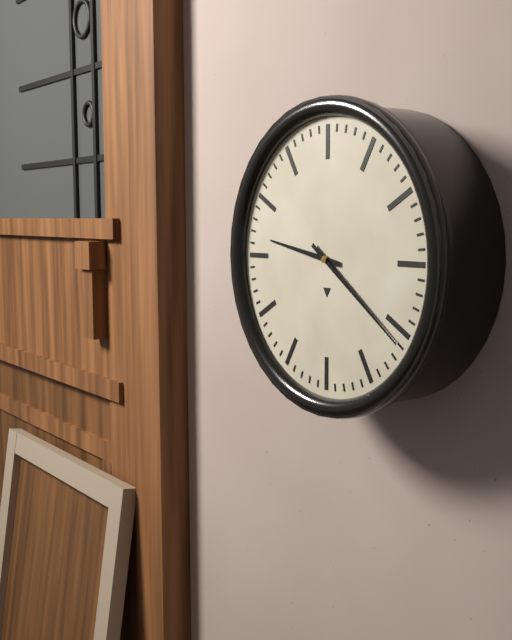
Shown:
9 h 21 min
